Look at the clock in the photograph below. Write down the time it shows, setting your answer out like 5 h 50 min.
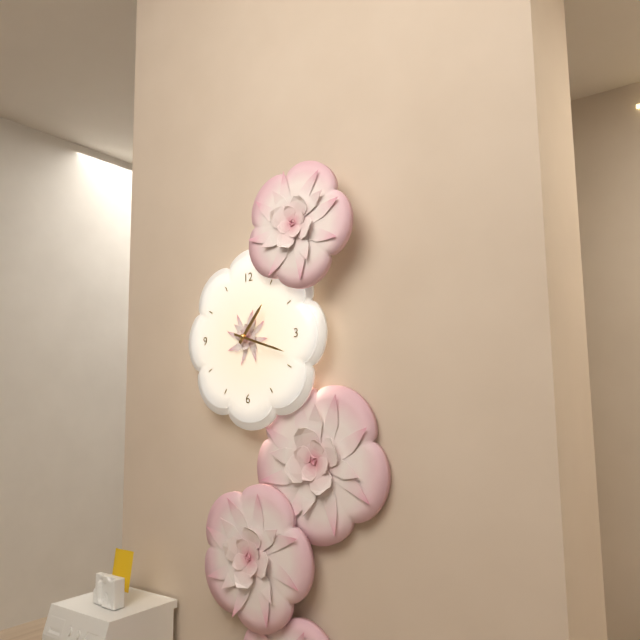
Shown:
1 h 18 min
